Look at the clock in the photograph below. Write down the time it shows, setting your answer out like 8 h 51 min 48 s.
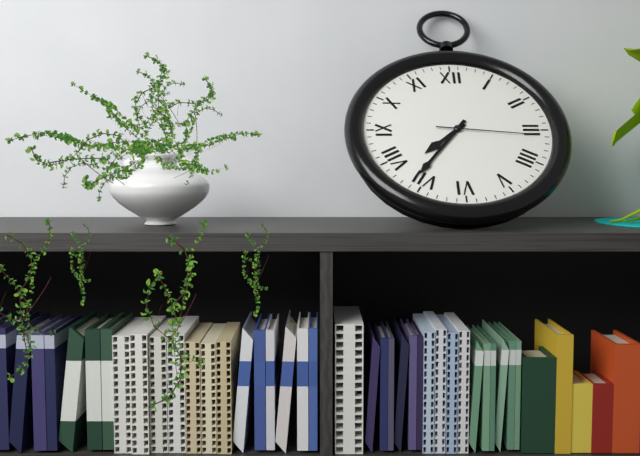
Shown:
7 h 36 min 16 s
